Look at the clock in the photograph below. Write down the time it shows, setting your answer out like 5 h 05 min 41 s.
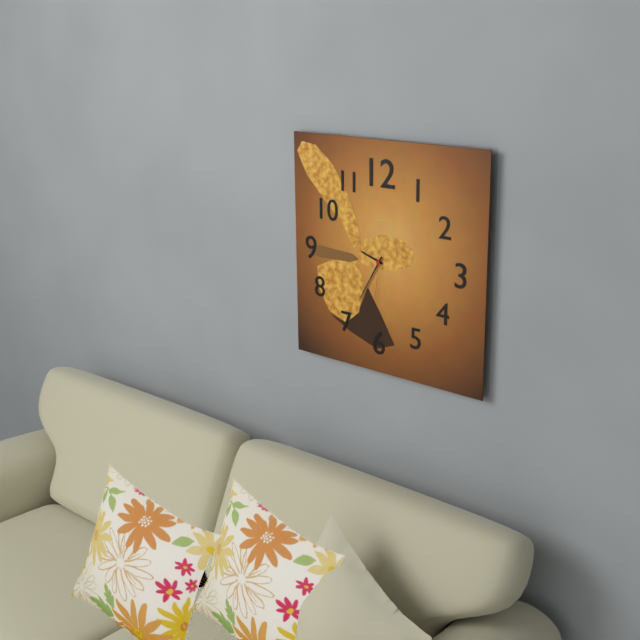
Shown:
9 h 35 min 31 s
